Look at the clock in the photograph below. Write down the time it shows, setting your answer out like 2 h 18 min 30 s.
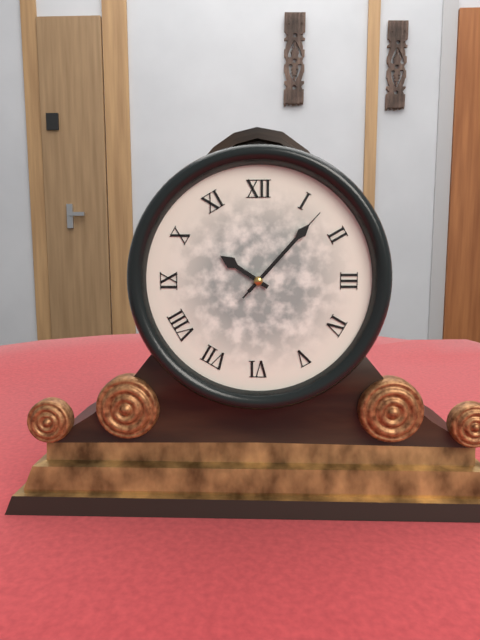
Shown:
10 h 07 min 07 s
